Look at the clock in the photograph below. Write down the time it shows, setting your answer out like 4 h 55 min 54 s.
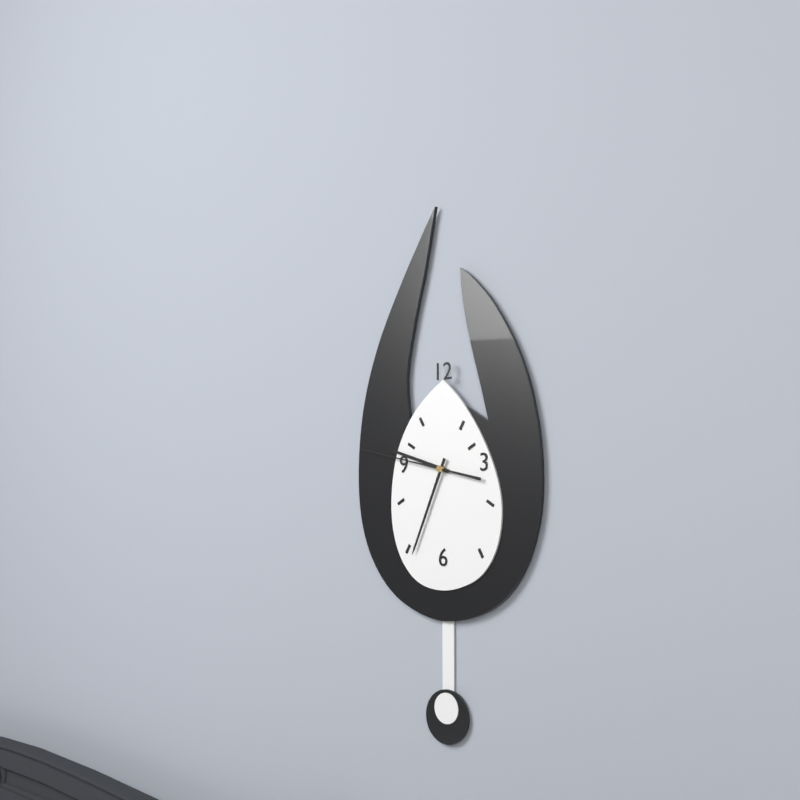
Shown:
9 h 34 min 47 s
